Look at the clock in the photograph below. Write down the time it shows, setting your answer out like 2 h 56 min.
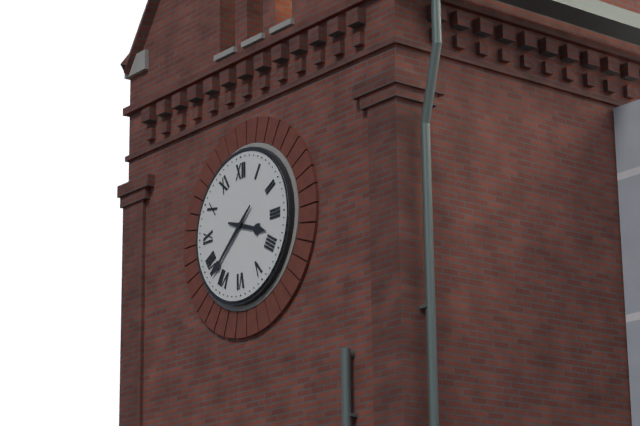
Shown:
3 h 38 min
